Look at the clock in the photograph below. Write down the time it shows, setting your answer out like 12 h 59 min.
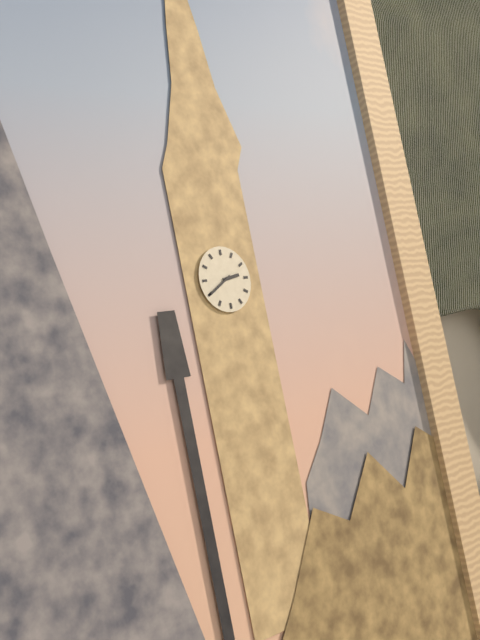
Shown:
2 h 40 min
